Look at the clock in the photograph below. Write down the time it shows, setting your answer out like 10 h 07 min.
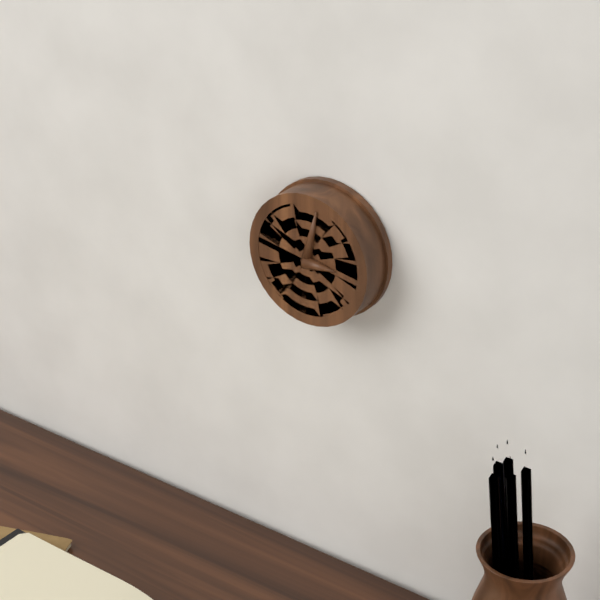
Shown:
3 h 02 min
